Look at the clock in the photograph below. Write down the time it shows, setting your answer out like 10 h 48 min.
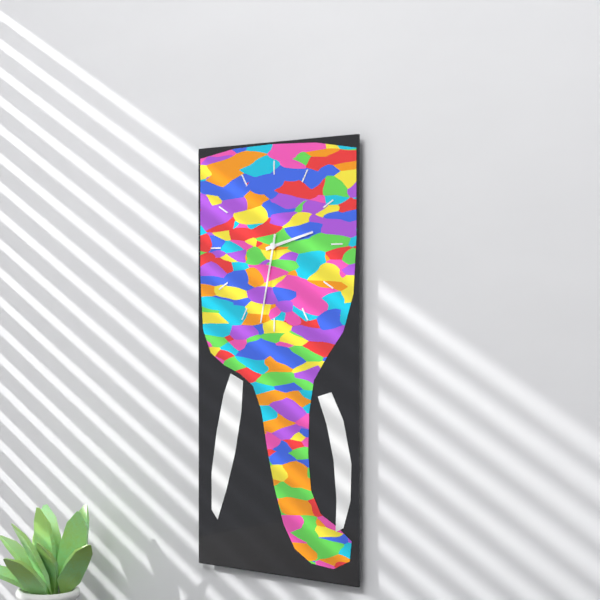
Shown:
2 h 32 min
